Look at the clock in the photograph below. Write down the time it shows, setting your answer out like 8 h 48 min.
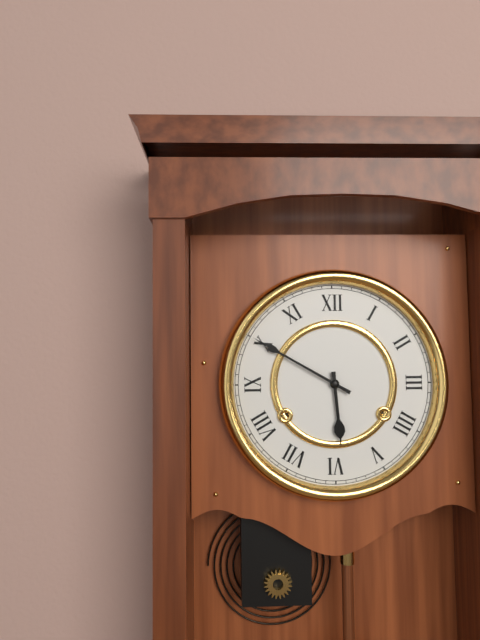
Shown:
5 h 50 min
